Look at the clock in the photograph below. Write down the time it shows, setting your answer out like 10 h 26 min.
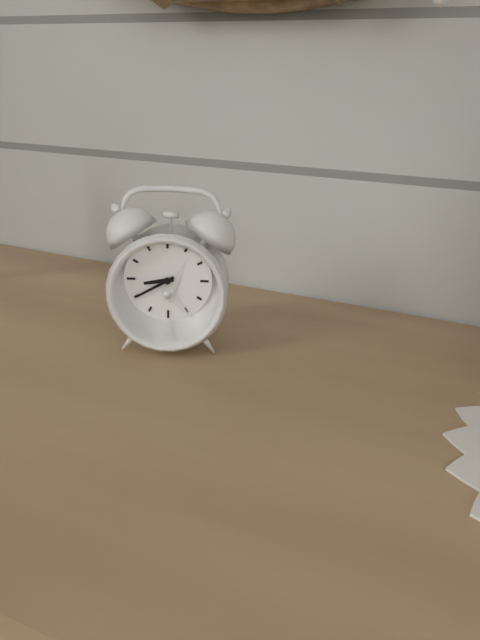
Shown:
8 h 40 min
